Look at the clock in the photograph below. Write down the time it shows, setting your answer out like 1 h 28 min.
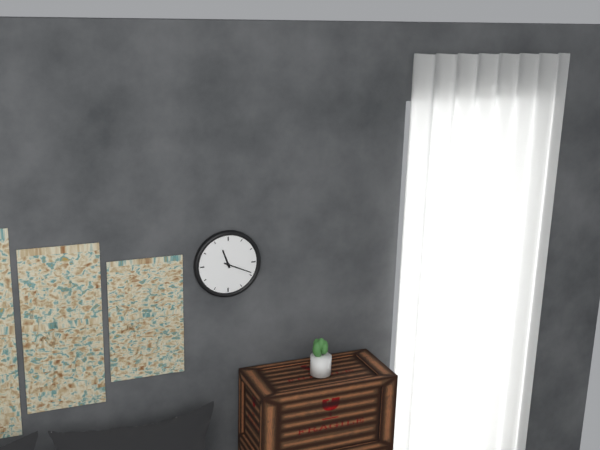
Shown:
11 h 19 min
